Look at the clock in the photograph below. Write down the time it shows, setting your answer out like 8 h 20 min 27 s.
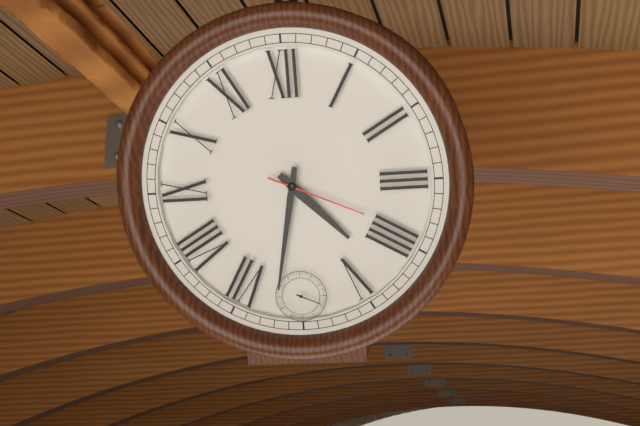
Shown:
4 h 32 min 19 s
